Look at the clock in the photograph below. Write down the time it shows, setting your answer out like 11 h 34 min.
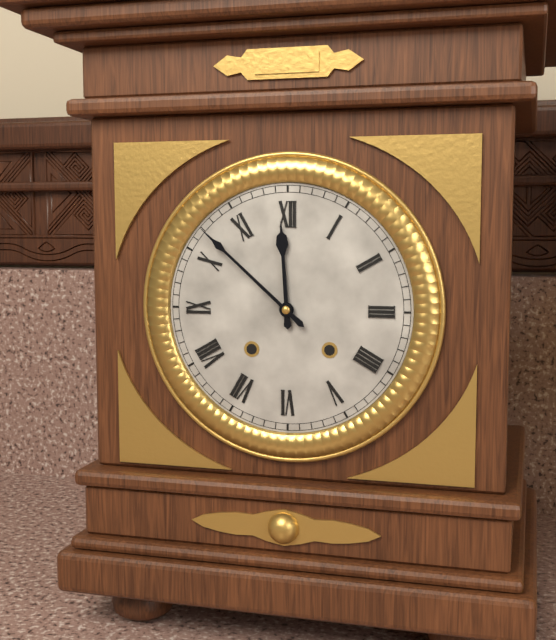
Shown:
11 h 52 min
